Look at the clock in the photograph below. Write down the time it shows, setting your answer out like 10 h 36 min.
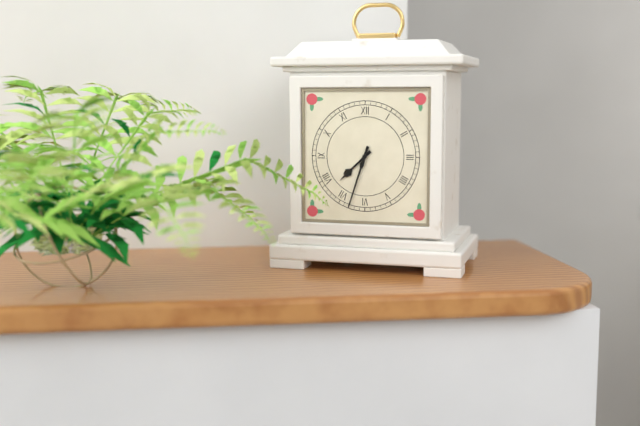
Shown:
7 h 33 min
